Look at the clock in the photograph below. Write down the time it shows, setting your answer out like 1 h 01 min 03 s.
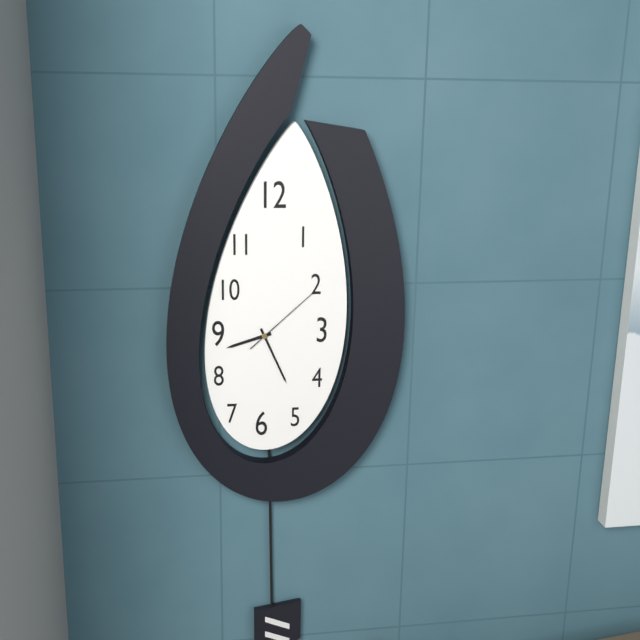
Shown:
8 h 26 min 08 s
